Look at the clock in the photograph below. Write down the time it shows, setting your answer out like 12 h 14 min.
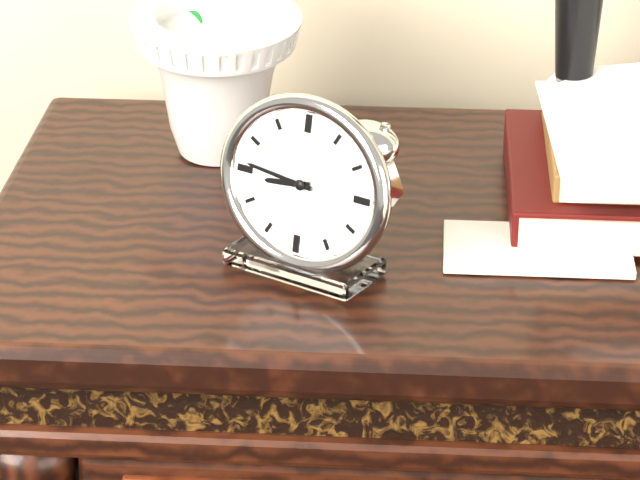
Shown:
8 h 46 min
